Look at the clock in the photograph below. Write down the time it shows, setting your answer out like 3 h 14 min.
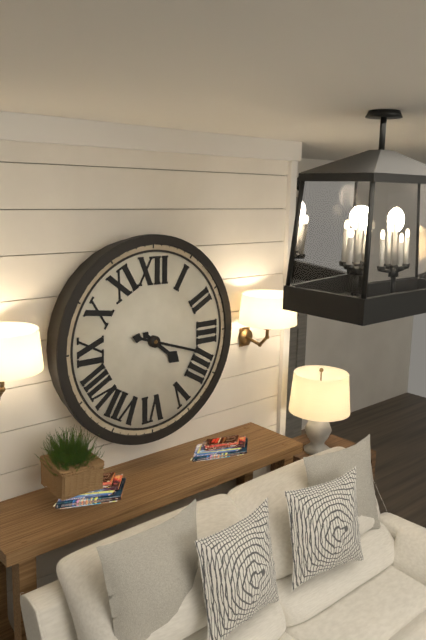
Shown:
4 h 18 min
